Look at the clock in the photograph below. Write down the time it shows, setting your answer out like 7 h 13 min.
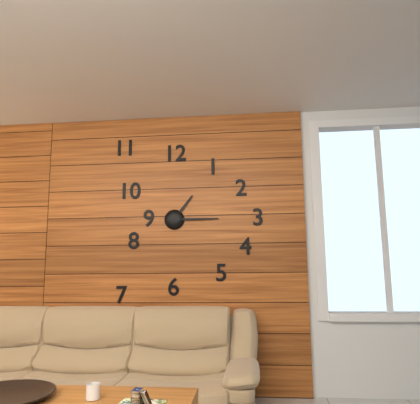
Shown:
1 h 15 min
